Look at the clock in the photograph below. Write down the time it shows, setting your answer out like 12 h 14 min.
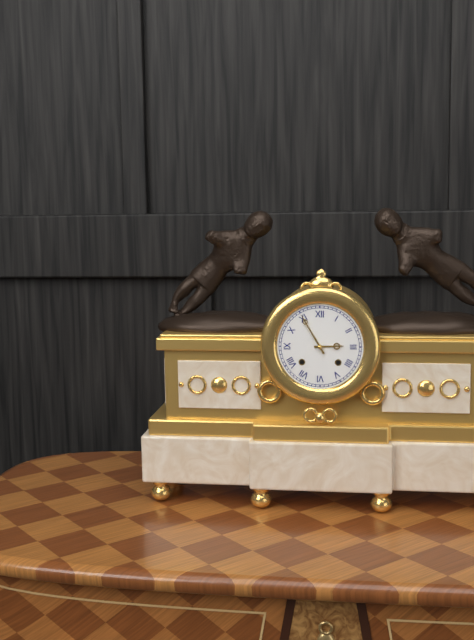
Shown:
2 h 55 min
